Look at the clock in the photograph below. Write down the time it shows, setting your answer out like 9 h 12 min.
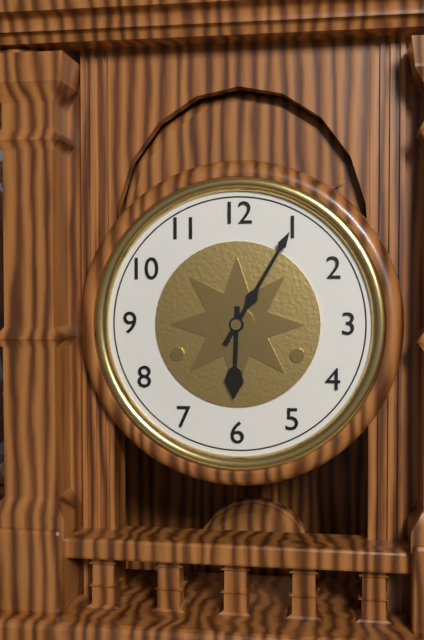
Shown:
6 h 05 min
